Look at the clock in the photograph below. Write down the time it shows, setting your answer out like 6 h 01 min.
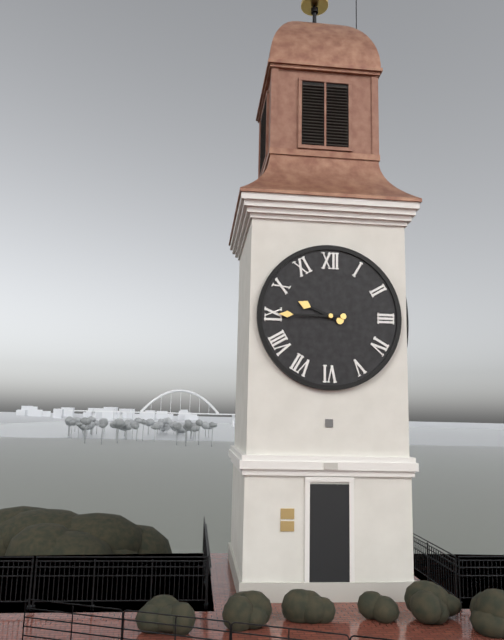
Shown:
9 h 45 min
